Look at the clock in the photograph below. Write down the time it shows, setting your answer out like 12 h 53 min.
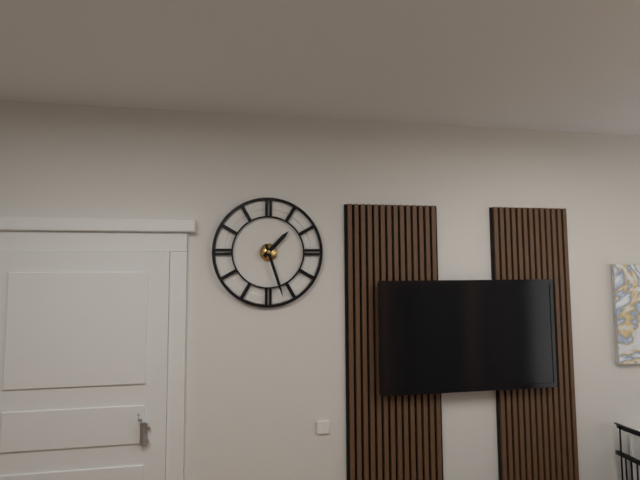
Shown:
1 h 27 min
